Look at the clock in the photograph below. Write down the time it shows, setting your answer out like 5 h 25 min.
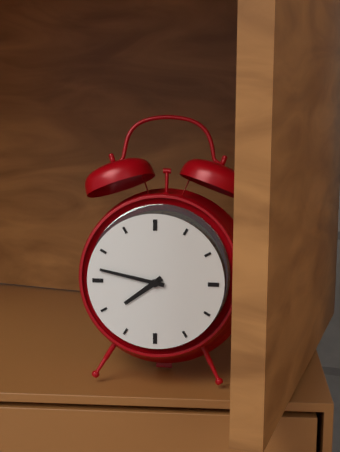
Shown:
7 h 47 min
